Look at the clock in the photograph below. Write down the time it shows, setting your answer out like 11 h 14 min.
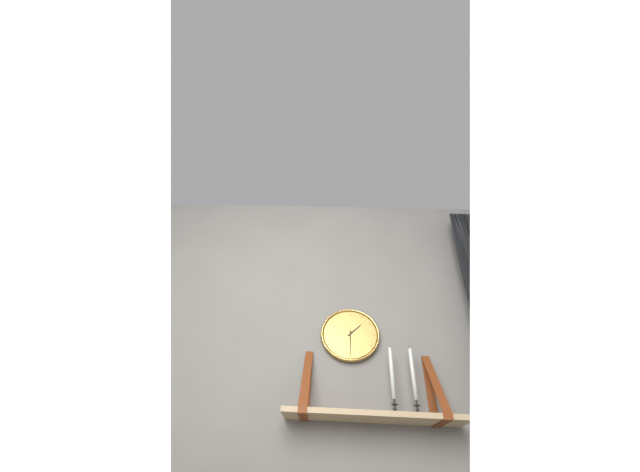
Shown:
1 h 30 min
